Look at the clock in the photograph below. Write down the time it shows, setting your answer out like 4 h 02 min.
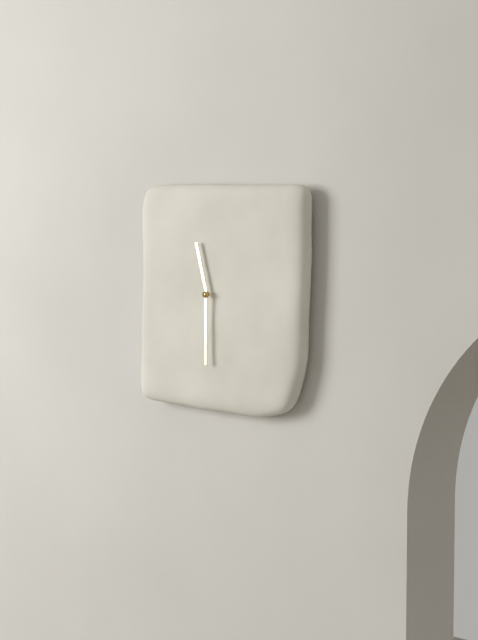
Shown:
11 h 30 min
